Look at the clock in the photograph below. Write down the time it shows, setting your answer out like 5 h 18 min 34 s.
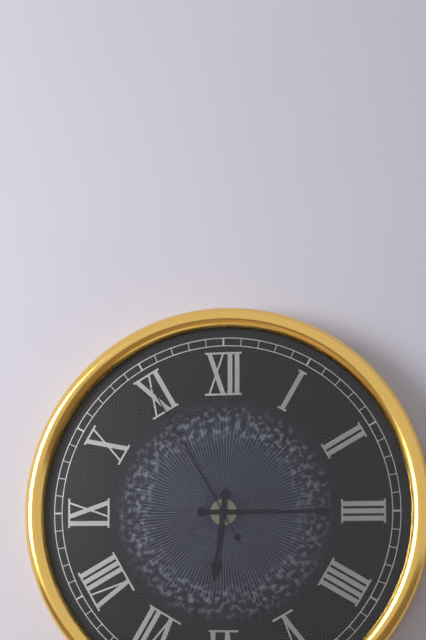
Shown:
6 h 15 min 55 s
